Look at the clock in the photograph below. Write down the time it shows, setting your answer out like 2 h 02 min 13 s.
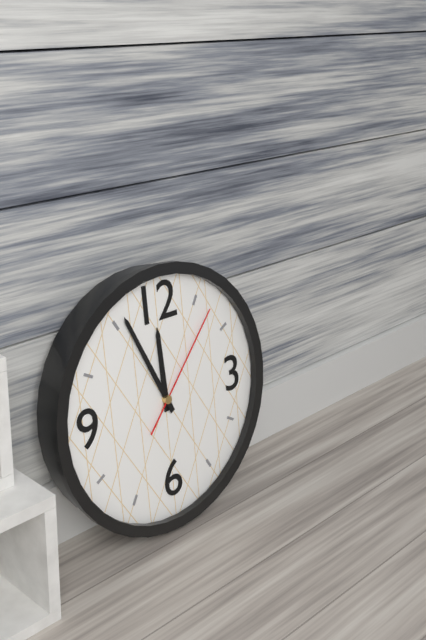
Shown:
11 h 56 min 07 s
